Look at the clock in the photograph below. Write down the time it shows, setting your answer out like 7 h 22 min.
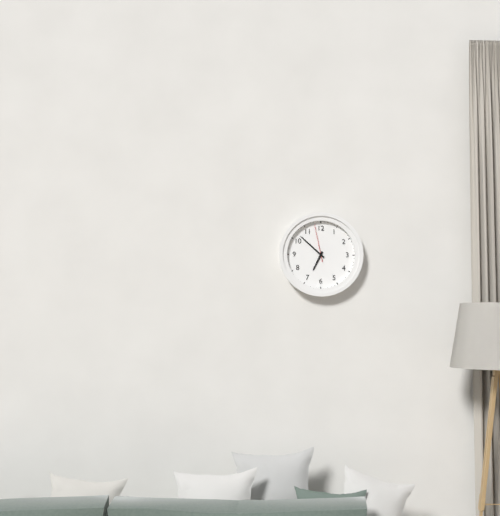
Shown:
6 h 52 min
